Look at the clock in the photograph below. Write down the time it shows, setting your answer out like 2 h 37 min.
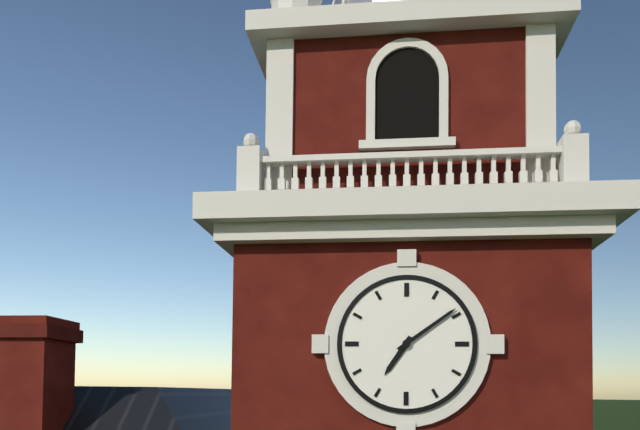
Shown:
7 h 09 min
